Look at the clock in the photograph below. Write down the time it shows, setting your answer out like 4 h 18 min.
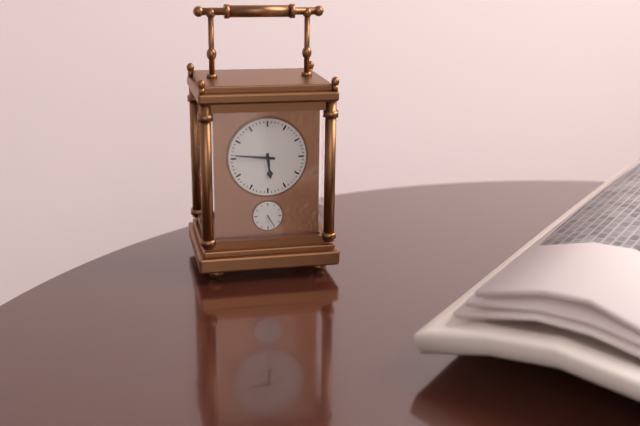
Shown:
5 h 46 min
